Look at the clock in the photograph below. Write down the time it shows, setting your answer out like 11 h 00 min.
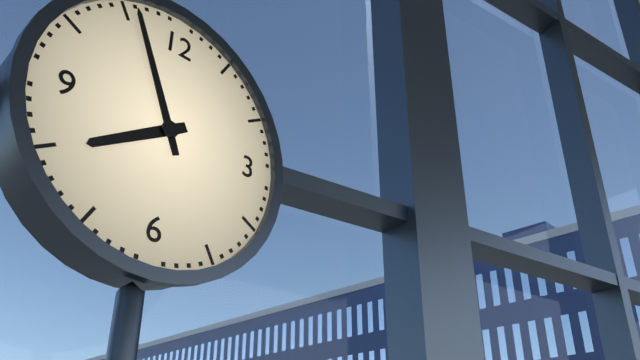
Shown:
7 h 56 min
